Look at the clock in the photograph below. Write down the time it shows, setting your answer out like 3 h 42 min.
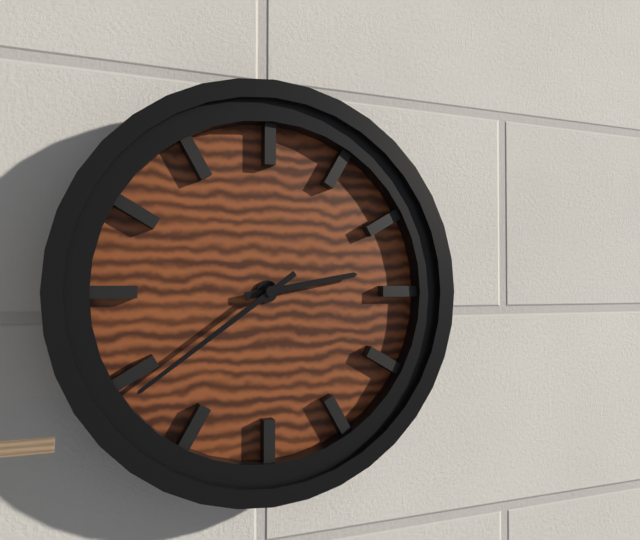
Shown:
2 h 39 min
